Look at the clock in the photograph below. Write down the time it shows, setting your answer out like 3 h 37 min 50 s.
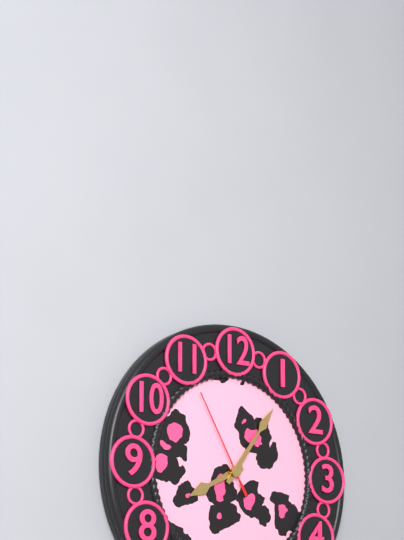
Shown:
8 h 06 min 55 s
